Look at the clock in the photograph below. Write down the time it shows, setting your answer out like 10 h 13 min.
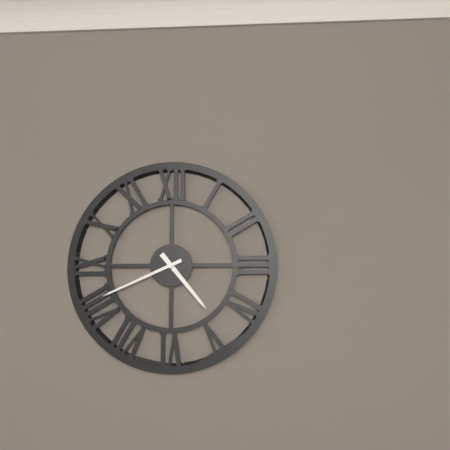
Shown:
4 h 41 min
